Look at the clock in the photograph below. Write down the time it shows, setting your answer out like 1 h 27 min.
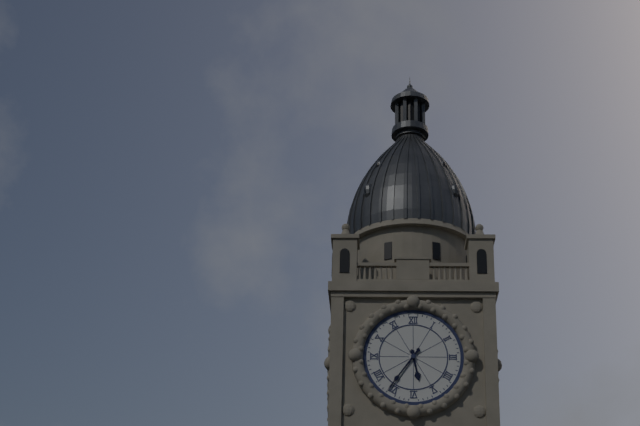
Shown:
5 h 36 min
